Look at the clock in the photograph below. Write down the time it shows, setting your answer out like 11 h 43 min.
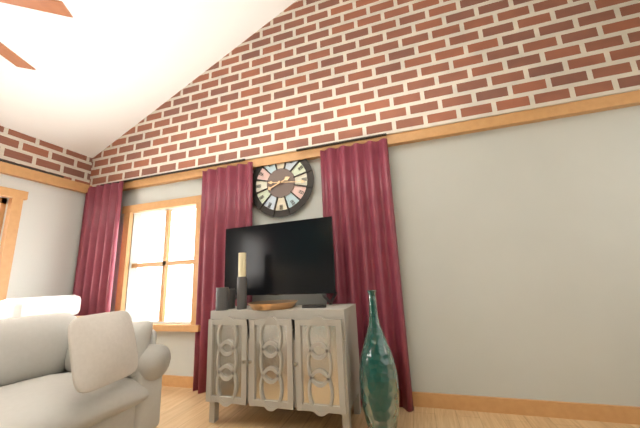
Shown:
8 h 16 min
